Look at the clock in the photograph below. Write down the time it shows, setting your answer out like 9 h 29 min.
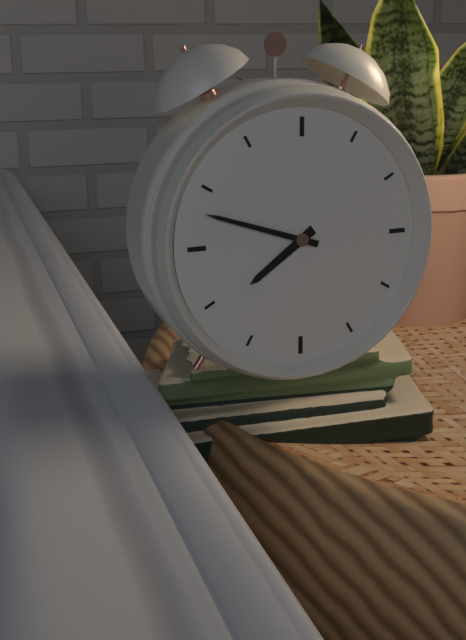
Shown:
7 h 48 min
